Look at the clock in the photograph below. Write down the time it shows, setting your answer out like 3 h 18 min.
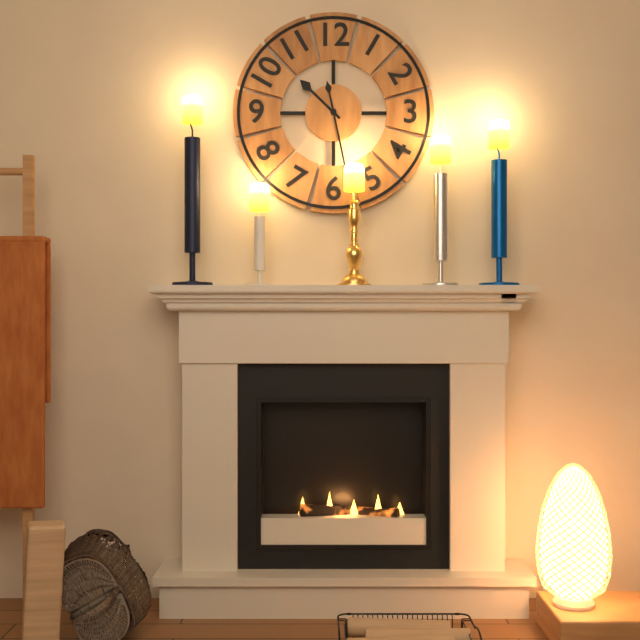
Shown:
10 h 28 min
